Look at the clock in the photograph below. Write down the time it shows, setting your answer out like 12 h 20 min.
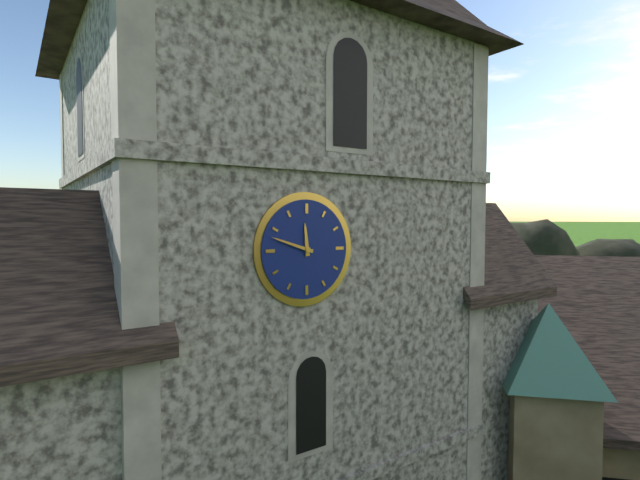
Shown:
11 h 48 min
